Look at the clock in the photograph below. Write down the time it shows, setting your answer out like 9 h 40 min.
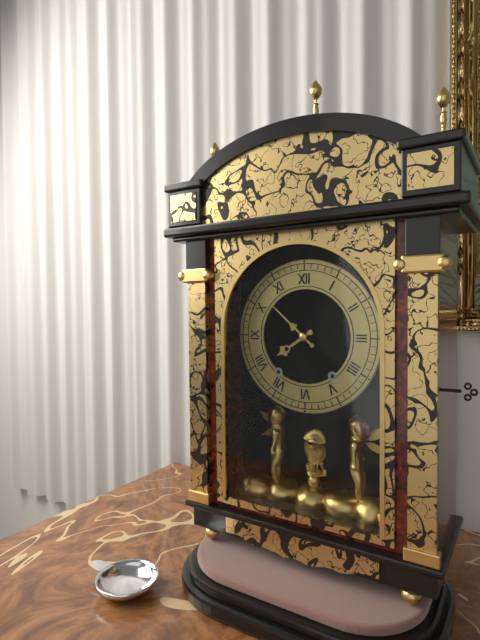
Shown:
7 h 52 min
